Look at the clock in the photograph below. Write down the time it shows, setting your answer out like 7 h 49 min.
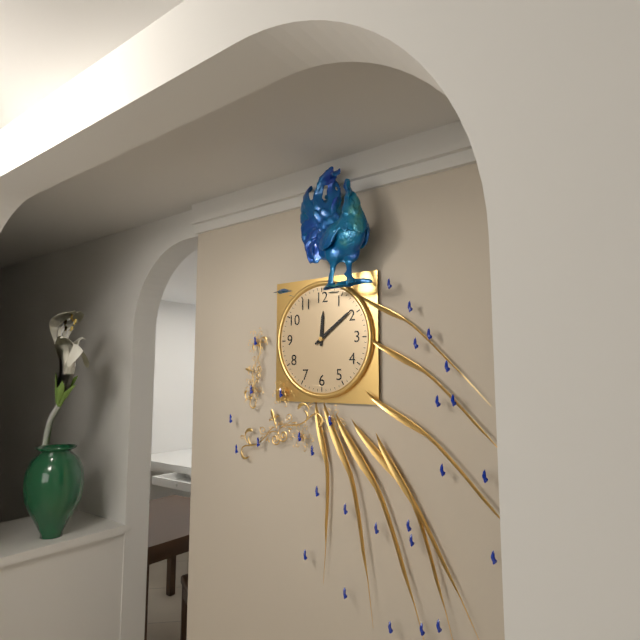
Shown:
12 h 09 min
